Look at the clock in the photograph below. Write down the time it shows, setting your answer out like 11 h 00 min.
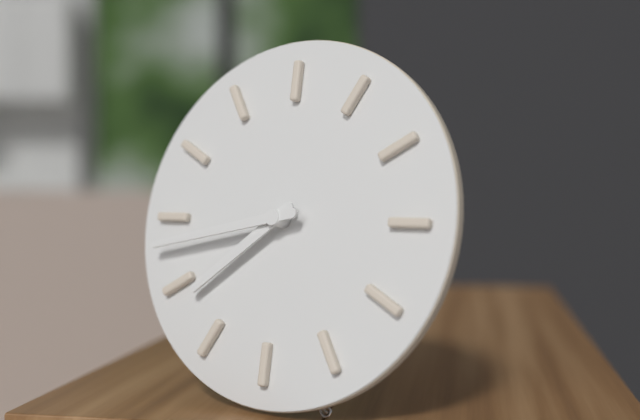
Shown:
7 h 43 min
